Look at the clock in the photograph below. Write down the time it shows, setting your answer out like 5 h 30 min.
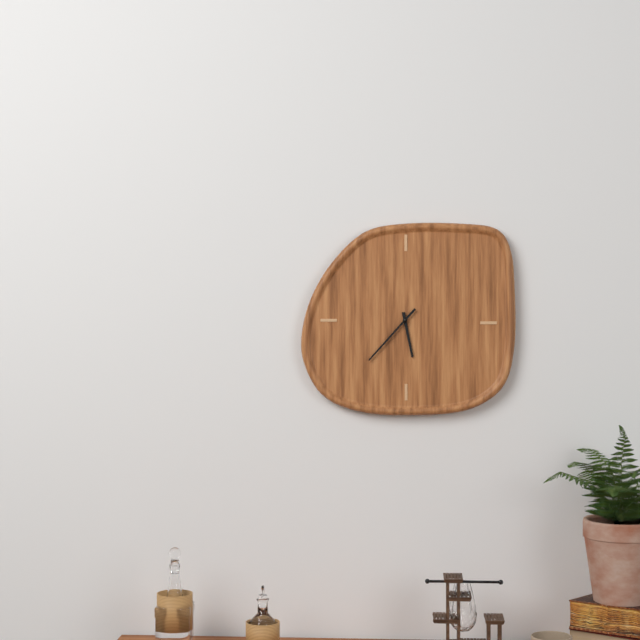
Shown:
5 h 37 min
